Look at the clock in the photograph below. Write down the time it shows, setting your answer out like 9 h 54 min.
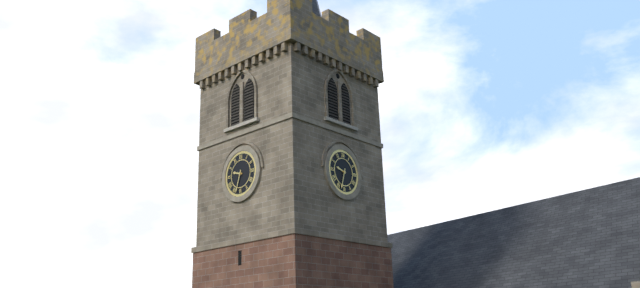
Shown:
9 h 33 min
